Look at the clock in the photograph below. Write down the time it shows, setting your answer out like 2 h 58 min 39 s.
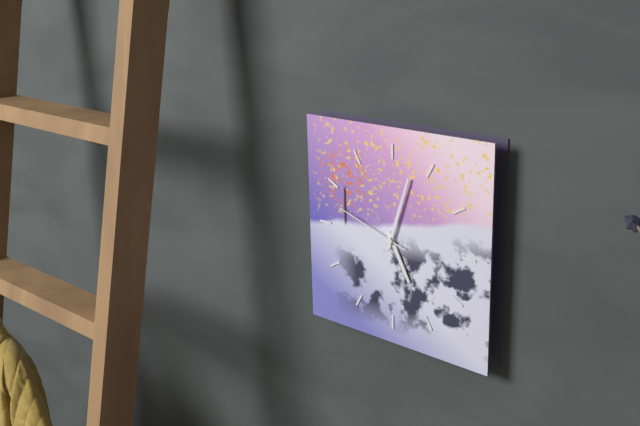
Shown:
5 h 03 min 48 s
